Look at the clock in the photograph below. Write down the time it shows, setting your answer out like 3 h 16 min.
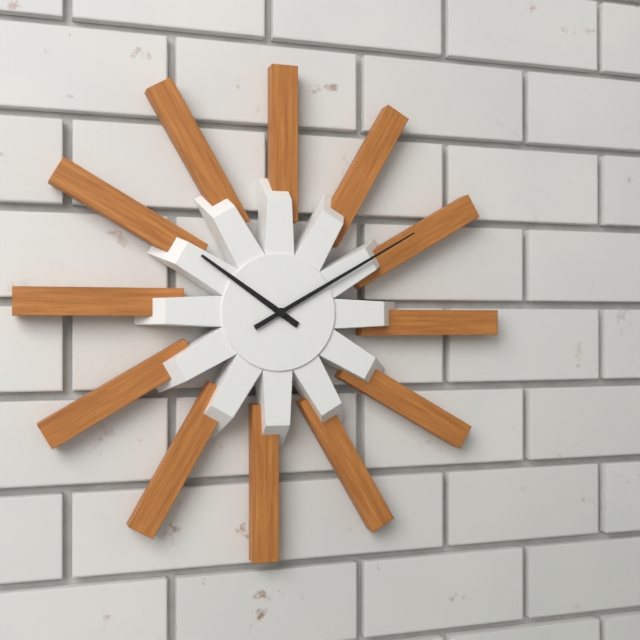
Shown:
10 h 10 min
